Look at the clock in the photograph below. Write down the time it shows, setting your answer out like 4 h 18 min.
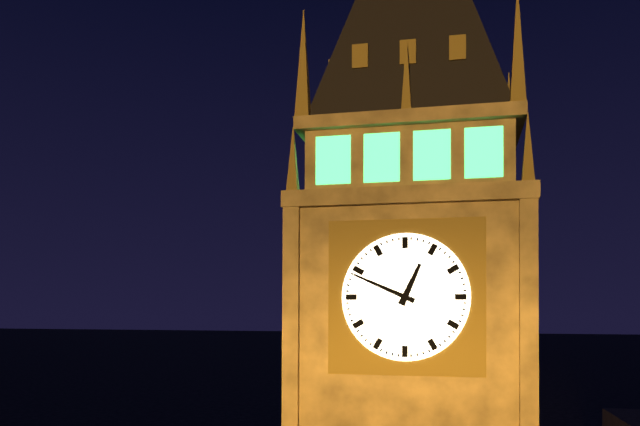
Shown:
12 h 49 min
